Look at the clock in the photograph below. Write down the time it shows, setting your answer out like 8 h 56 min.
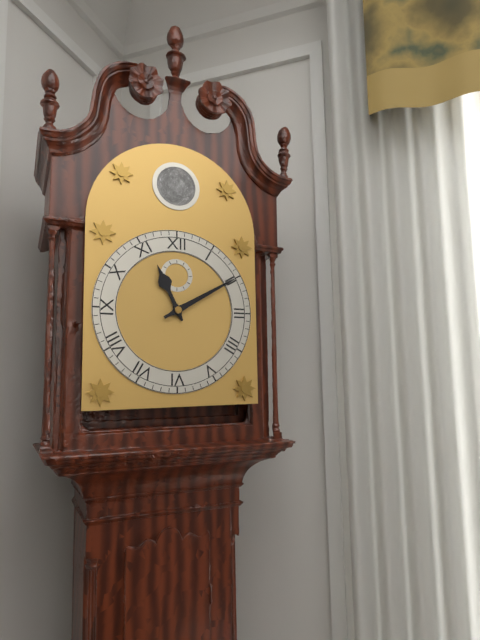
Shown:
11 h 10 min
